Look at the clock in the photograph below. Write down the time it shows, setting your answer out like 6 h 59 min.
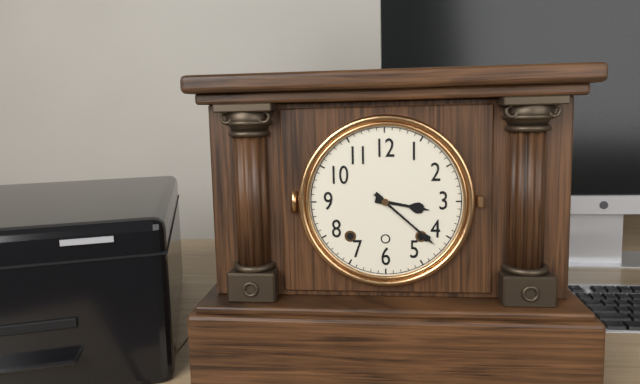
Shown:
3 h 22 min
